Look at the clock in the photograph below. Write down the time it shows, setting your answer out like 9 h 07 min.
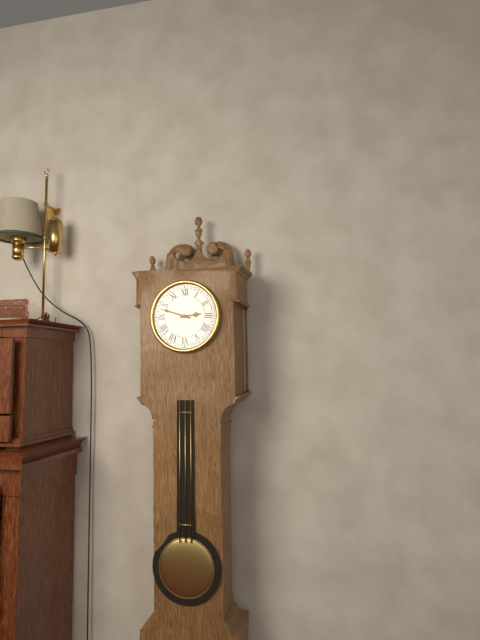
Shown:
2 h 48 min
